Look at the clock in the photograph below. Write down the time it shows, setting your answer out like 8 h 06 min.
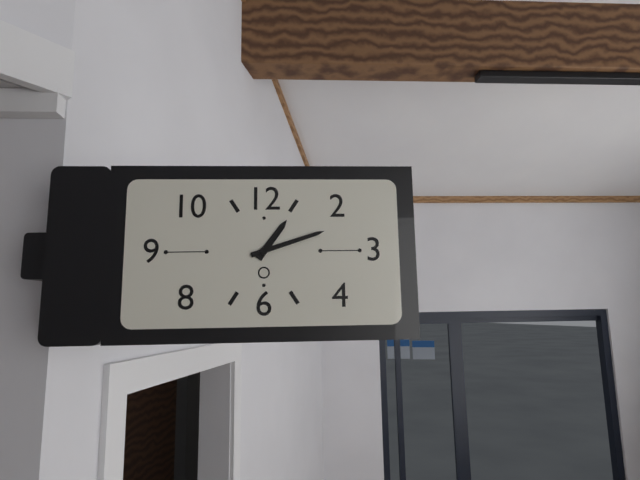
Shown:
1 h 12 min
